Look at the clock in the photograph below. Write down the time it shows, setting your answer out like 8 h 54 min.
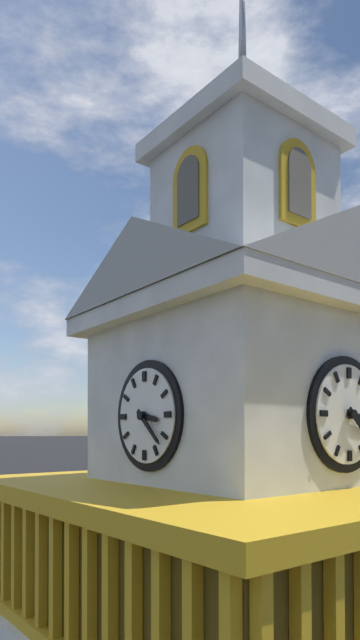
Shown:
3 h 22 min
